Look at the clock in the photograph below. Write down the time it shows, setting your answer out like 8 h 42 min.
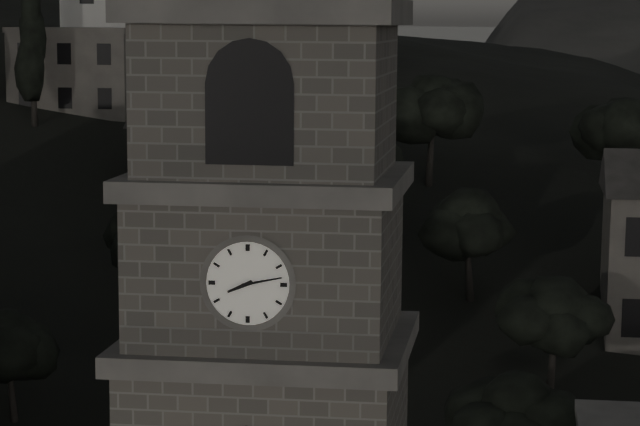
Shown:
8 h 13 min
